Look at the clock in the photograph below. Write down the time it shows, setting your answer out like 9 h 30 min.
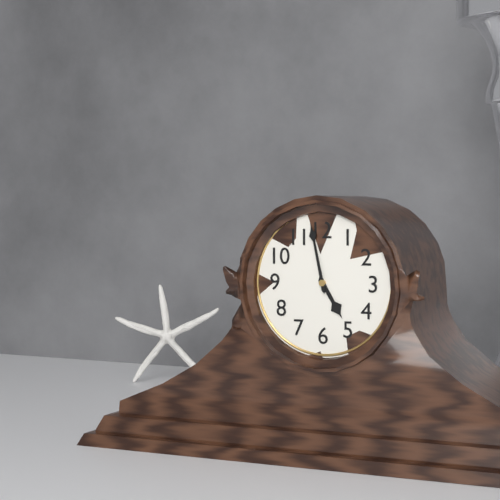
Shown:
4 h 58 min
